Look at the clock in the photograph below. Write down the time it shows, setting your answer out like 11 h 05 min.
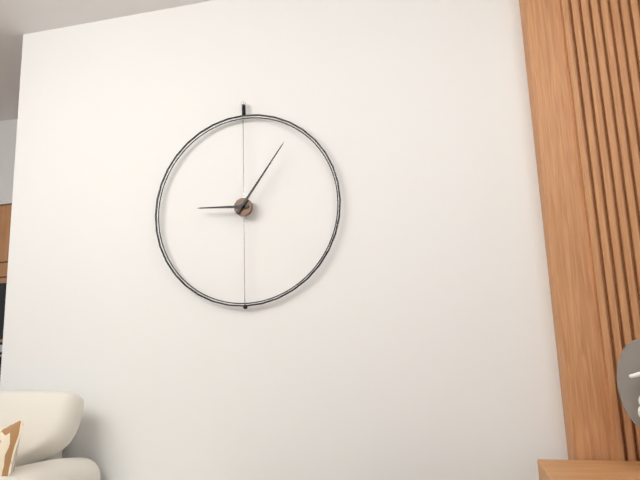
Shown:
9 h 06 min
